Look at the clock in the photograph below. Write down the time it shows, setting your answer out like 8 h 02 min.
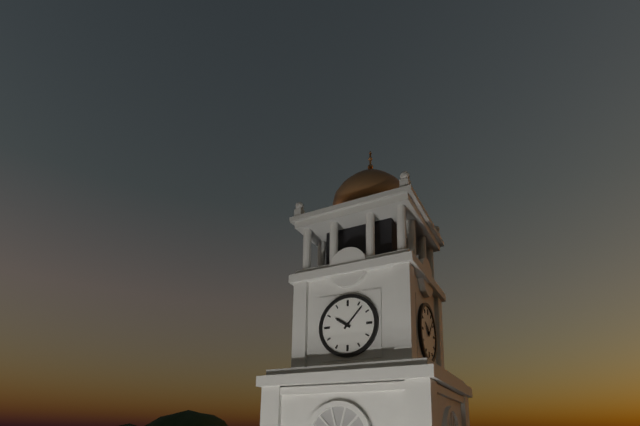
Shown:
10 h 07 min
